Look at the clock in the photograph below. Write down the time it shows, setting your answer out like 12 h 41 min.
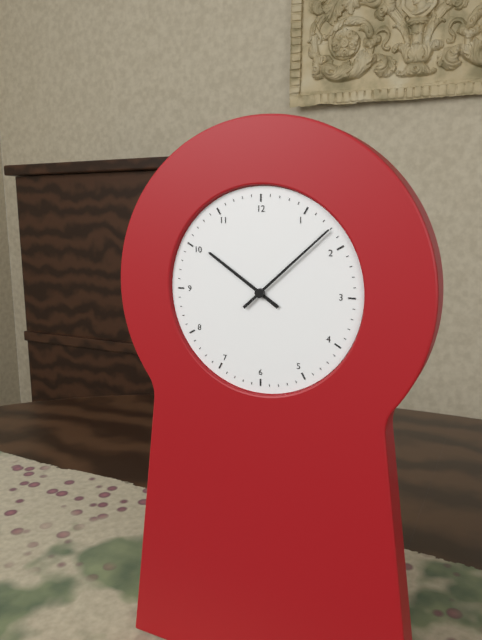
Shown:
10 h 08 min
